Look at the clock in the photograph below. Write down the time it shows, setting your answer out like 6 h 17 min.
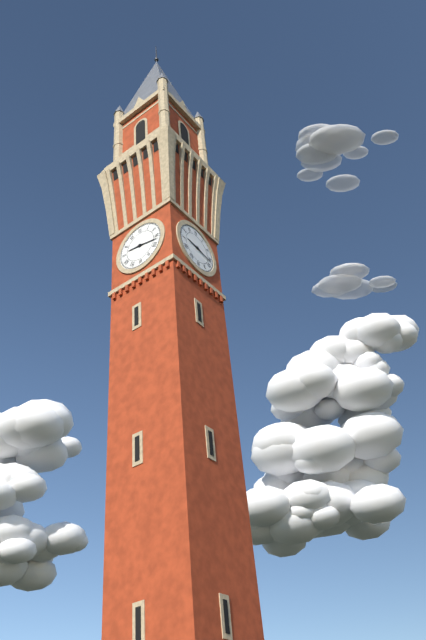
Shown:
9 h 17 min
